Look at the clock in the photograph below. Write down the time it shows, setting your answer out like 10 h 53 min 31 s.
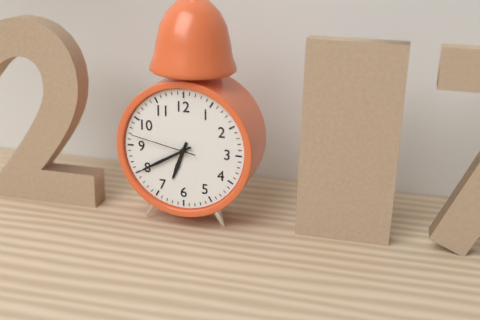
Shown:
6 h 40 min 47 s
